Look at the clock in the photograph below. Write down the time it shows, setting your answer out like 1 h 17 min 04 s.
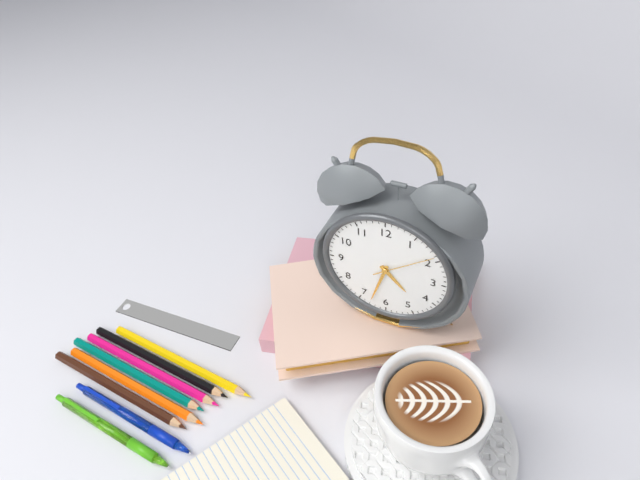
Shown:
4 h 33 min 09 s
